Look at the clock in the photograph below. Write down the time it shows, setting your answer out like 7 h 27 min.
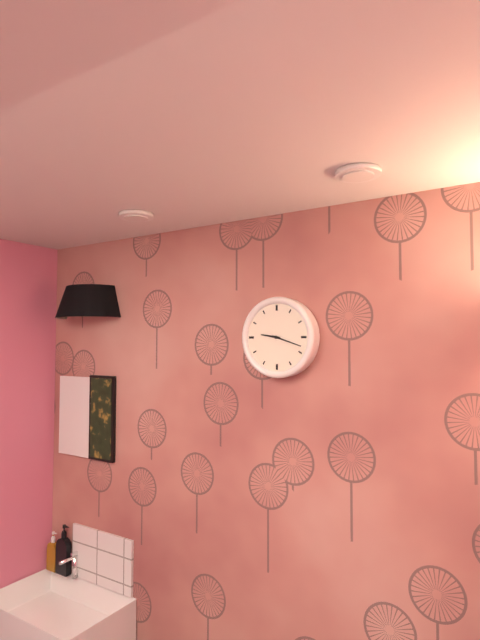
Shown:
9 h 18 min
